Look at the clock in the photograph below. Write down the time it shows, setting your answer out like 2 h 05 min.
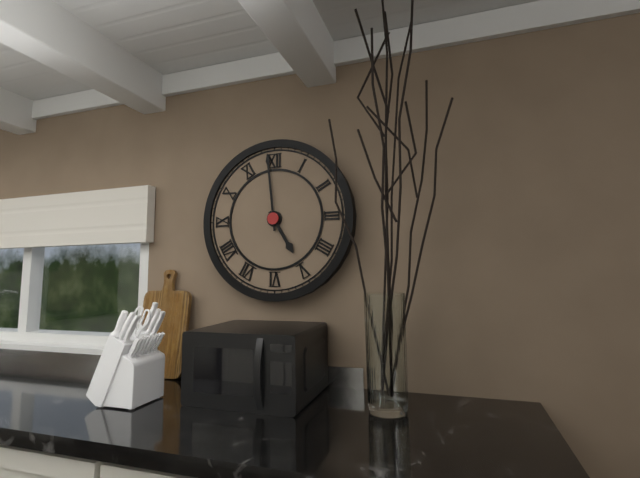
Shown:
4 h 59 min
